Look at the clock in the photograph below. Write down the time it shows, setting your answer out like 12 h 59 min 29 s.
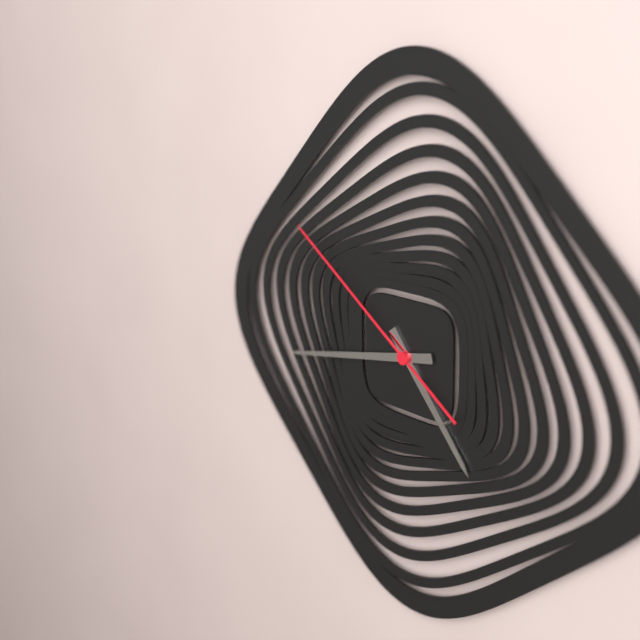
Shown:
4 h 43 min 51 s
